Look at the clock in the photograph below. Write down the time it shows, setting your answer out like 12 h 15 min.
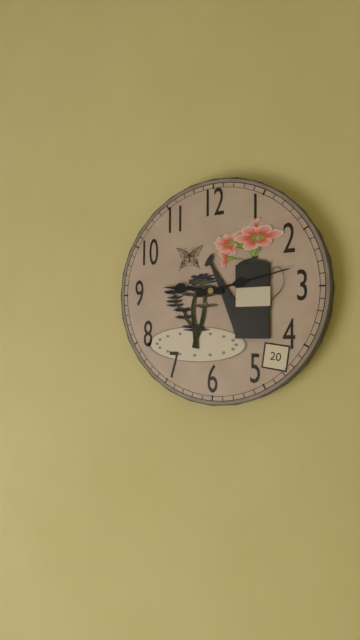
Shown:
9 h 13 min
